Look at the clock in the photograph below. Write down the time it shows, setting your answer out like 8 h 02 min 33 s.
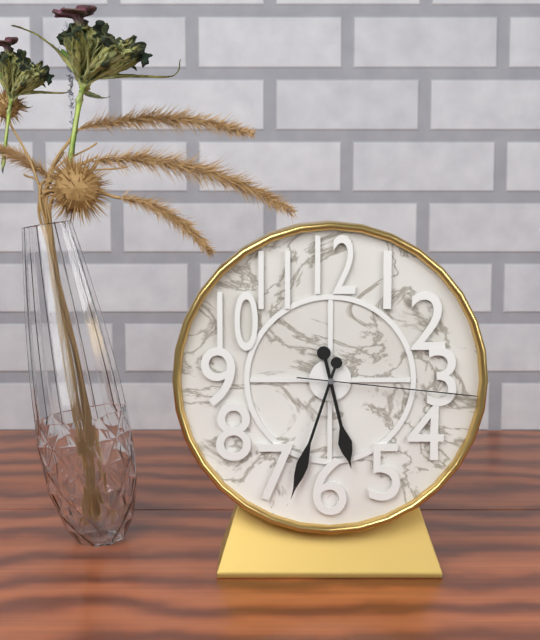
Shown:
5 h 33 min 16 s
